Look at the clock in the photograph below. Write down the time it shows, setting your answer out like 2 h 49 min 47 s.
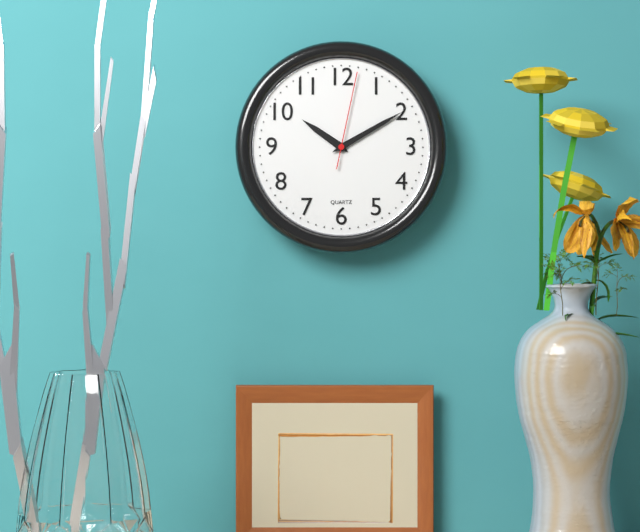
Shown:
10 h 10 min 02 s
